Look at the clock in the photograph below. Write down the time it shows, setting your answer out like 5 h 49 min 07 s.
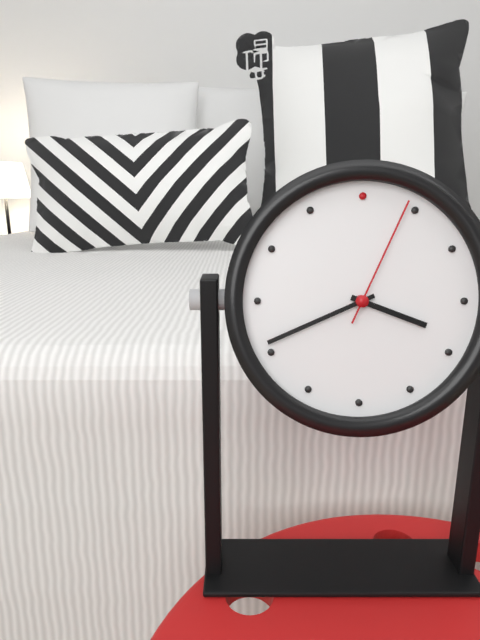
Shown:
3 h 41 min 04 s
